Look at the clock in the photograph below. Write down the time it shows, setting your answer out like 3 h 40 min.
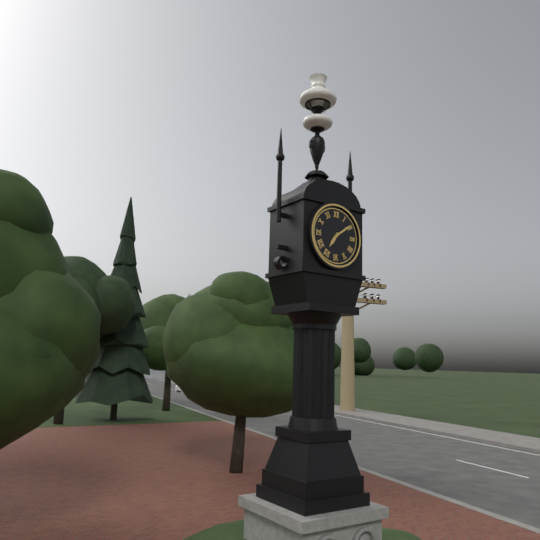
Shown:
7 h 09 min
